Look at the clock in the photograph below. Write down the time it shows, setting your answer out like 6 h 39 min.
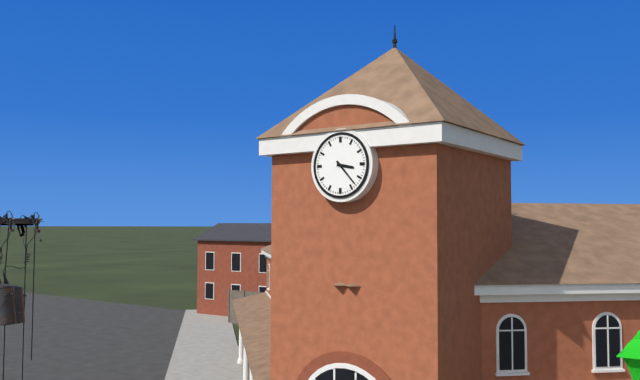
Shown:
3 h 23 min
